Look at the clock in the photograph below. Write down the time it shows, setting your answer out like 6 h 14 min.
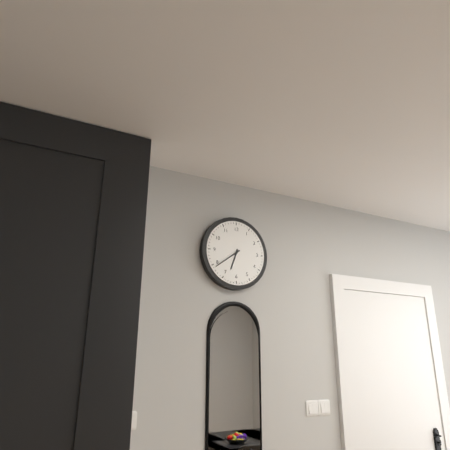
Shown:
6 h 39 min
